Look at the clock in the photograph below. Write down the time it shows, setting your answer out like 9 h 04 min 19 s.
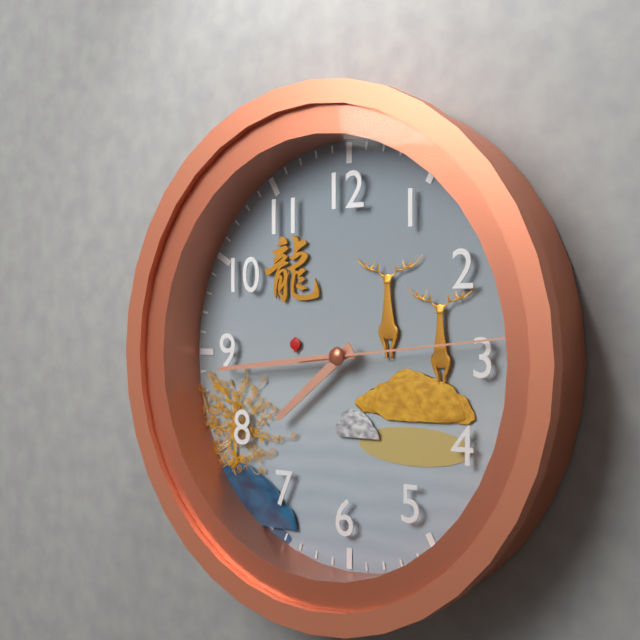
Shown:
7 h 44 min 14 s
